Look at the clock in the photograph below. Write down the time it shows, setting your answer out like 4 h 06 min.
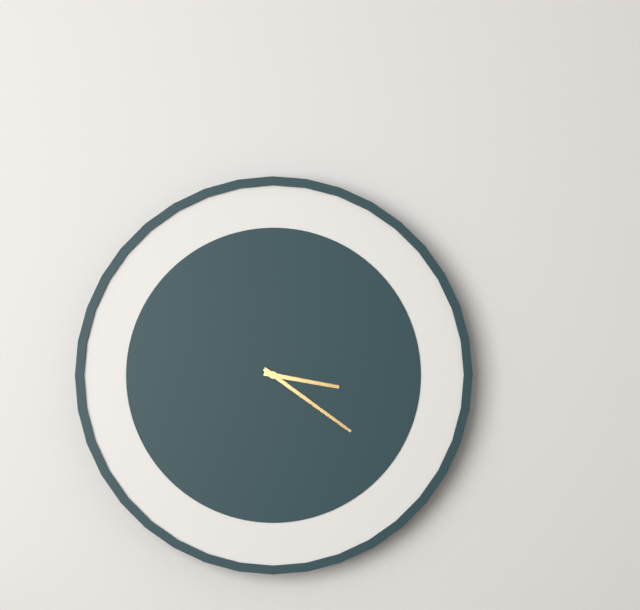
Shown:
3 h 21 min
